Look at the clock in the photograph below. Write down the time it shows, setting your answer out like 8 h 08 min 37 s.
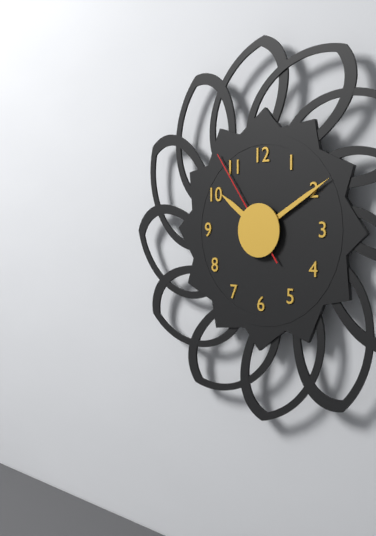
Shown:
10 h 10 min 54 s
